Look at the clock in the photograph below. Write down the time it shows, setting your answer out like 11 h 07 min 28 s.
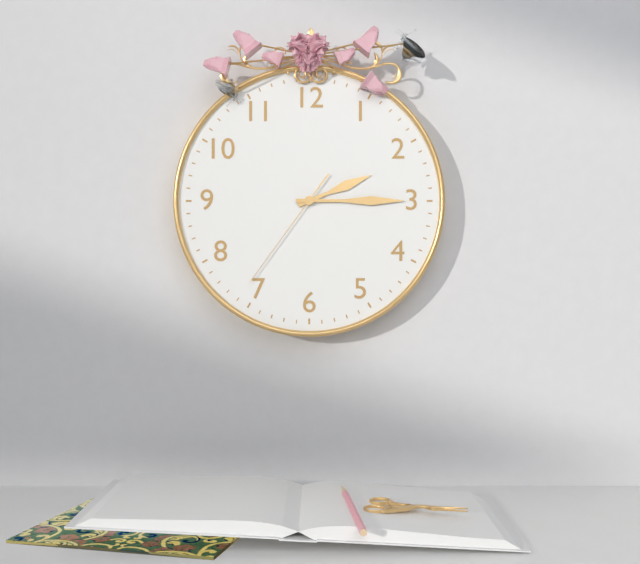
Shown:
2 h 15 min 36 s
